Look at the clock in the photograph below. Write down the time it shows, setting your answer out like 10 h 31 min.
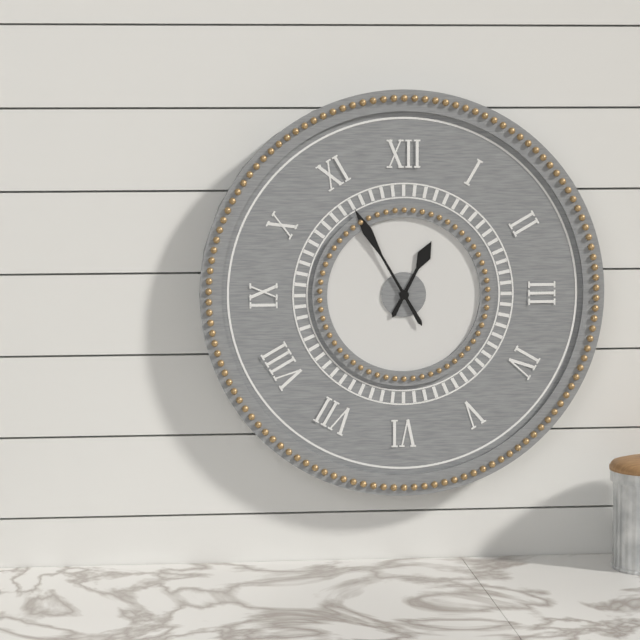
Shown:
12 h 55 min
